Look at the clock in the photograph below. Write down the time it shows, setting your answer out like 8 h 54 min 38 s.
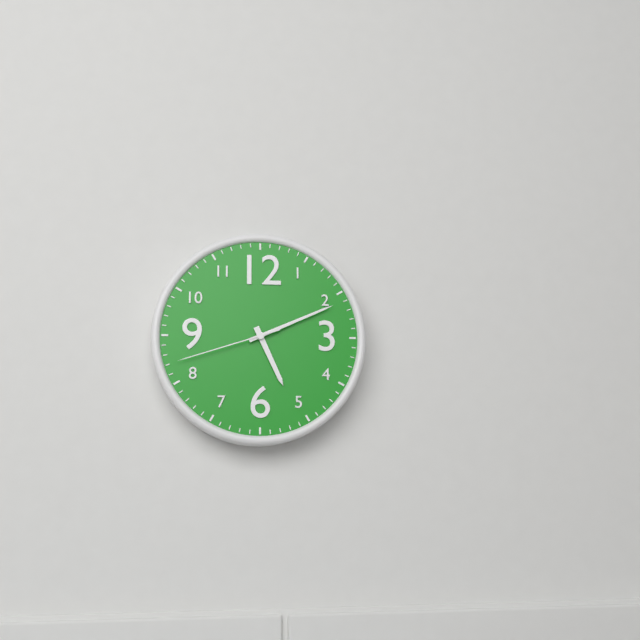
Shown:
5 h 11 min 42 s
